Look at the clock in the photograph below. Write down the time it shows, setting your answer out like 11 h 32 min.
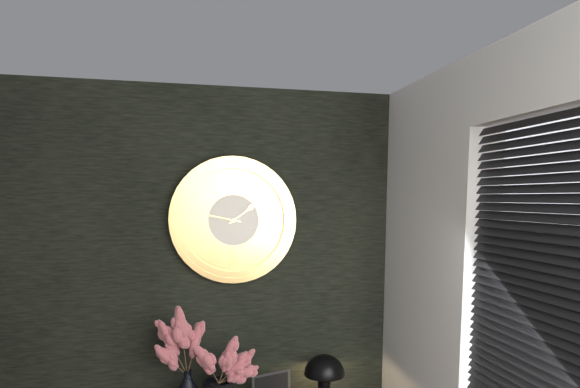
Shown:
1 h 47 min
